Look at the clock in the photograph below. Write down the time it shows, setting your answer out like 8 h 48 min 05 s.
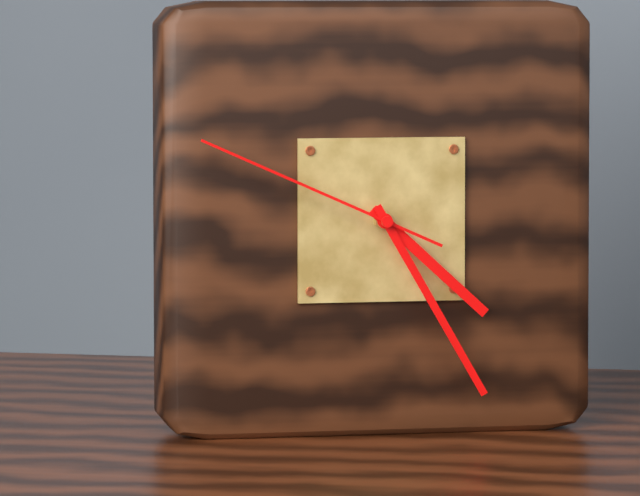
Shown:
4 h 25 min 49 s
